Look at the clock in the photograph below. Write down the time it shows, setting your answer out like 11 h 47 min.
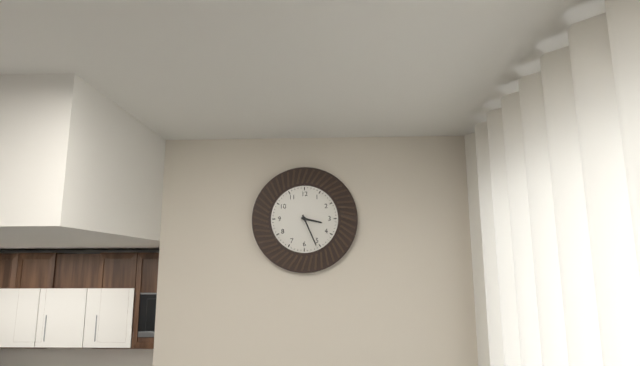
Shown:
3 h 26 min
